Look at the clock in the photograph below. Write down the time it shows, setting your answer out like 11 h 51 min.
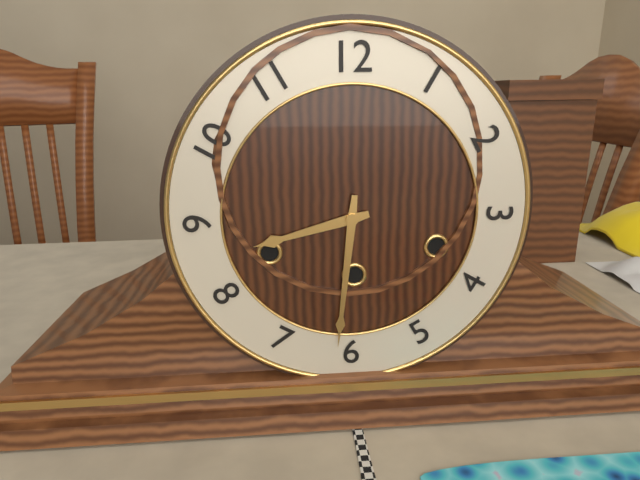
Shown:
8 h 31 min
